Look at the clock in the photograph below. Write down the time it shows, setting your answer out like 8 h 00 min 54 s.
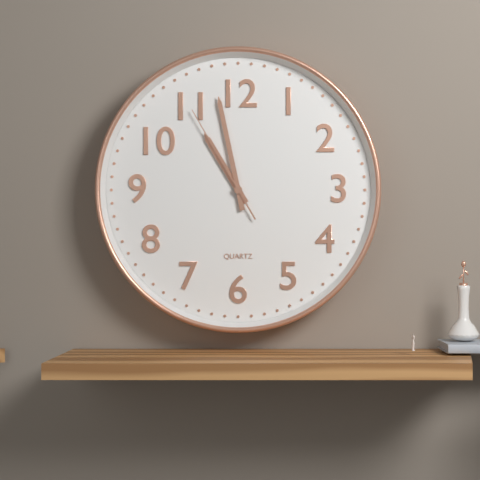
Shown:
10 h 58 min 55 s
